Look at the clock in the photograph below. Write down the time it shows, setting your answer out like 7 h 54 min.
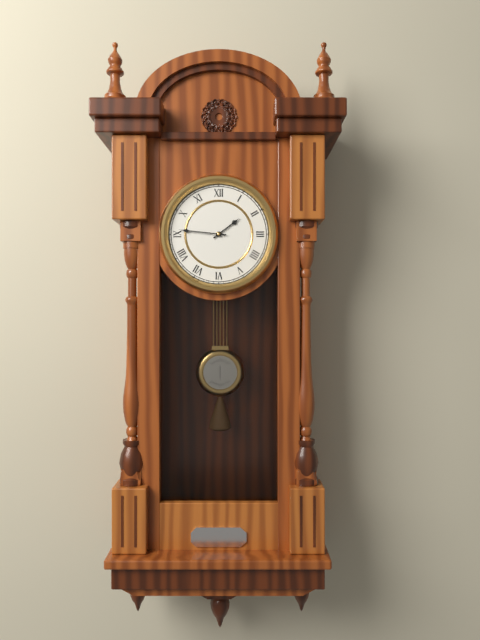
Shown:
1 h 46 min
